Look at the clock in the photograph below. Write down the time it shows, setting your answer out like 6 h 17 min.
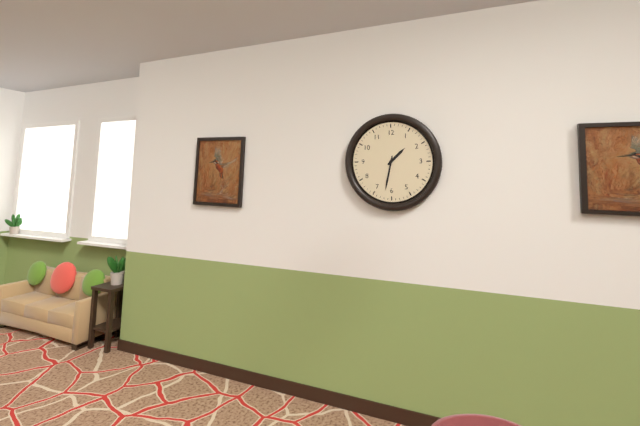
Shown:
1 h 32 min
